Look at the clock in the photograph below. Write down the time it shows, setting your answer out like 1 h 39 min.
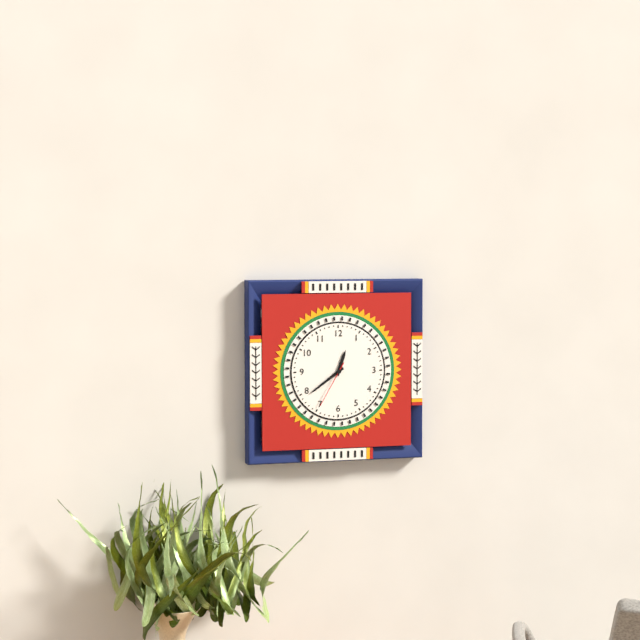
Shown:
12 h 39 min
